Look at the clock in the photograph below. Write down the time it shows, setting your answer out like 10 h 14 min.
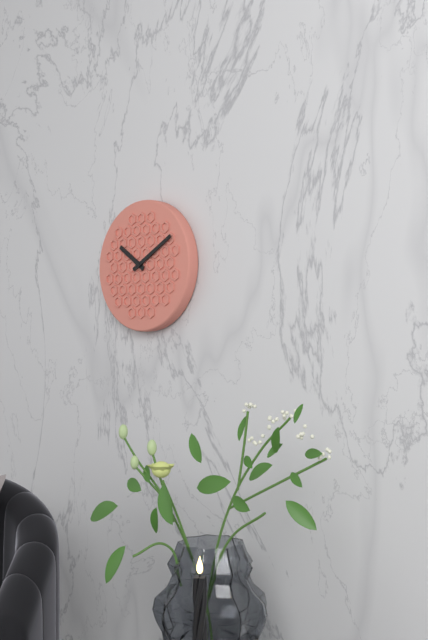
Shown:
10 h 10 min
